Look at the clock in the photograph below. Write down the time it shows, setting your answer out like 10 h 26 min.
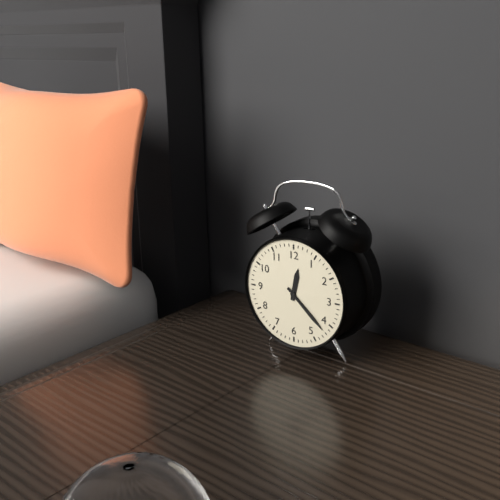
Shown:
12 h 22 min
